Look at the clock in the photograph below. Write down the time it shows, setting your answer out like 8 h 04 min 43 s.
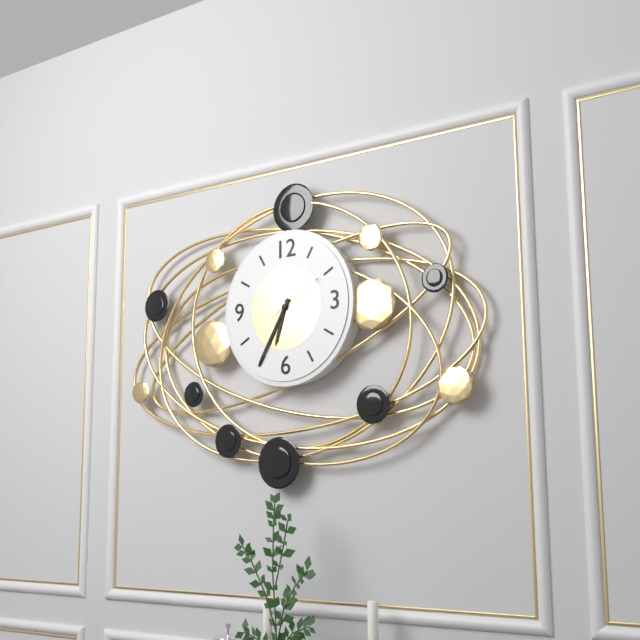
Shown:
6 h 35 min 10 s
